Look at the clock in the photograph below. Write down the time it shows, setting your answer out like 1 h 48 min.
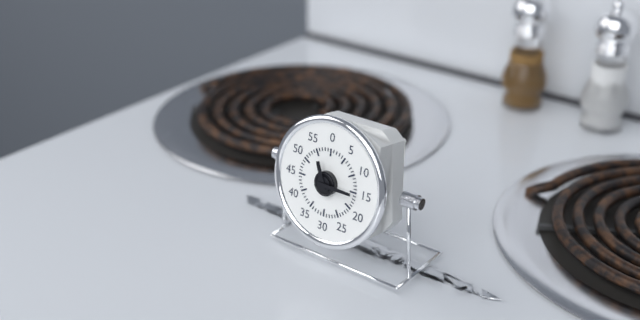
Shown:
11 h 15 min
